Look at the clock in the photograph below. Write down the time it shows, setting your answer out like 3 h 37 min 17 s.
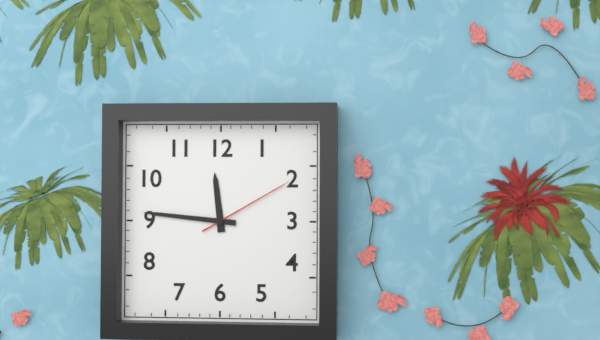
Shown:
11 h 46 min 10 s
